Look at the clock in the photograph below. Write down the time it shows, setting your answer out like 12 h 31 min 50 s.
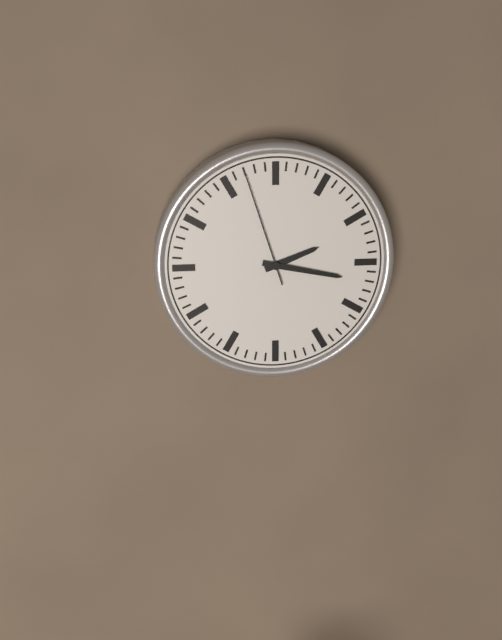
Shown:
2 h 17 min 57 s
